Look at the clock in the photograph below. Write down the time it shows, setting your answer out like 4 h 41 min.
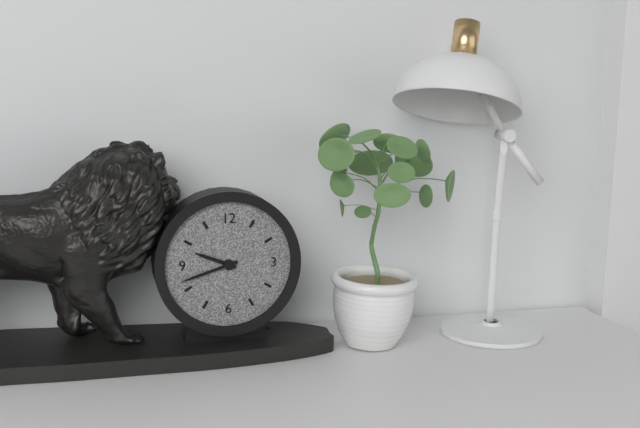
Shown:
9 h 42 min
